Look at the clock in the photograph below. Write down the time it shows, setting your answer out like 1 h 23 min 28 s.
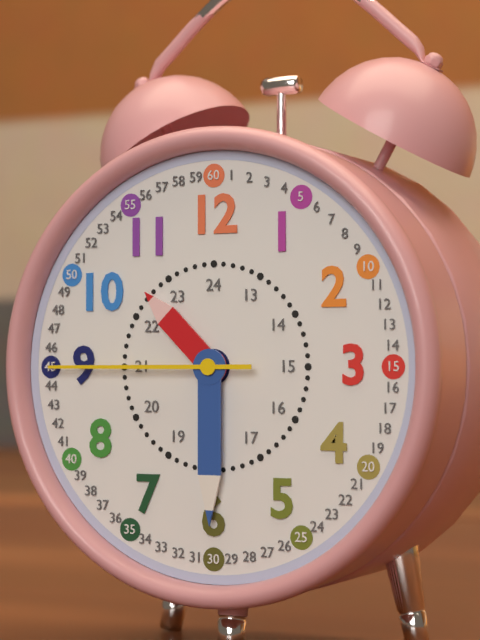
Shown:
10 h 30 min 45 s
